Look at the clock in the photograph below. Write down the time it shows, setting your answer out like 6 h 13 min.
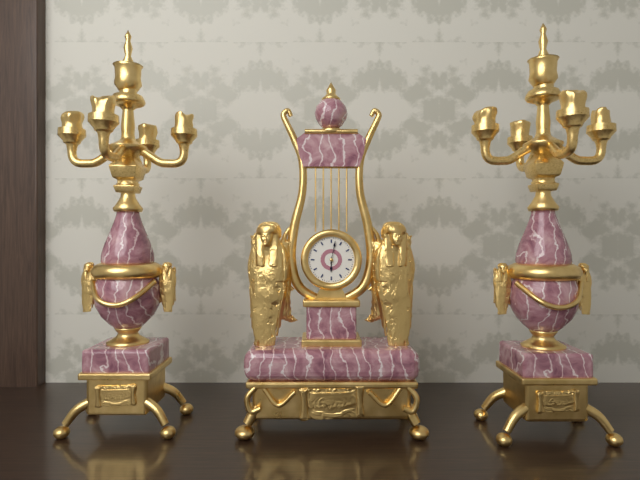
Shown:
6 h 02 min
